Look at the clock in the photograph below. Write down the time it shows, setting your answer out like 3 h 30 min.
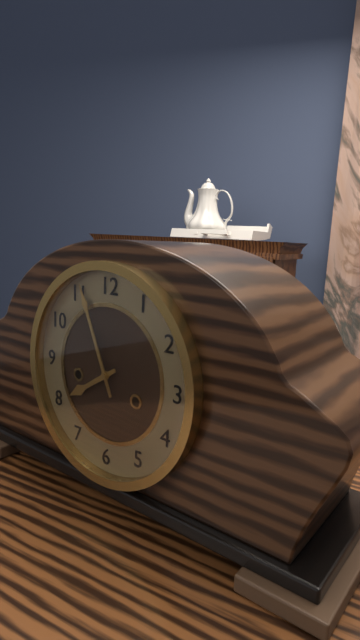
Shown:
7 h 56 min
